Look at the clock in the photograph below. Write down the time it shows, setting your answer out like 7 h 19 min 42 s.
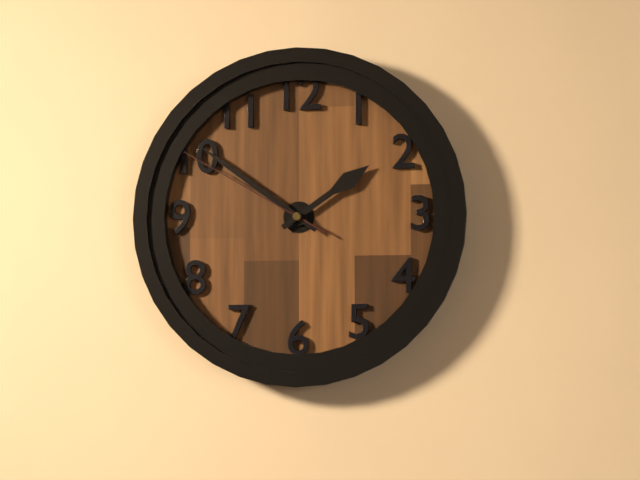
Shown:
1 h 51 min 50 s
